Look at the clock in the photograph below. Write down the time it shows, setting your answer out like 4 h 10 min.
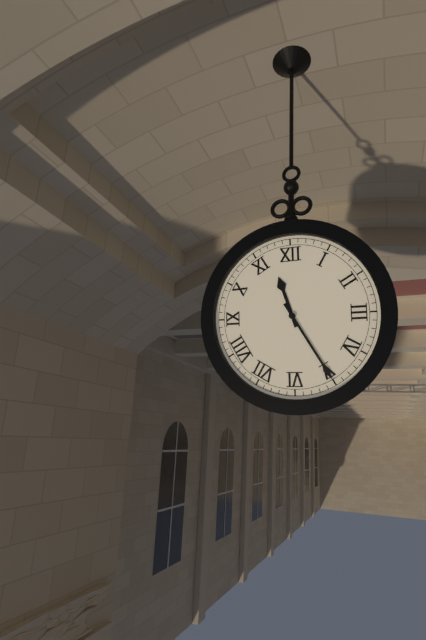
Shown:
11 h 25 min
